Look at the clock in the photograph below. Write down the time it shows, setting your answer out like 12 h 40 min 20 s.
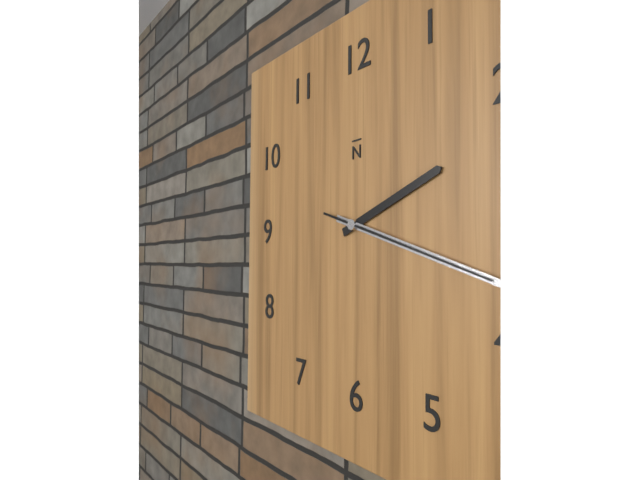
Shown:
2 h 18 min 18 s
